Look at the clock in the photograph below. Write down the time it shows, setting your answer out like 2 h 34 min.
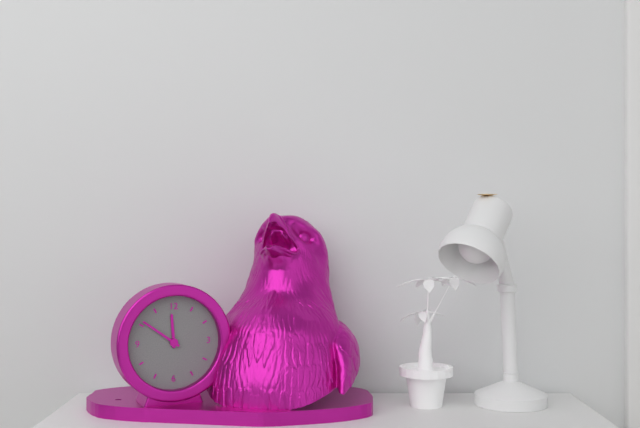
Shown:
11 h 51 min
